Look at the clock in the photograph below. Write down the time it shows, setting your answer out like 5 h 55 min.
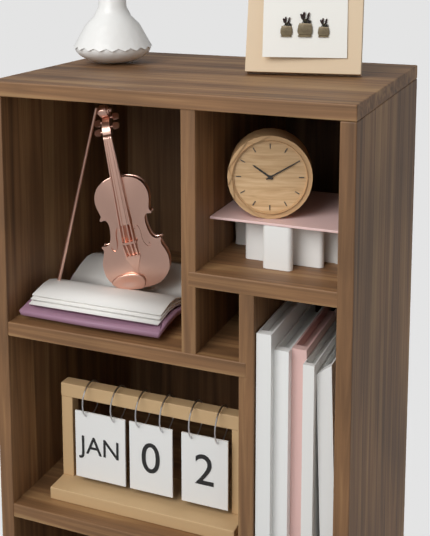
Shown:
10 h 10 min
